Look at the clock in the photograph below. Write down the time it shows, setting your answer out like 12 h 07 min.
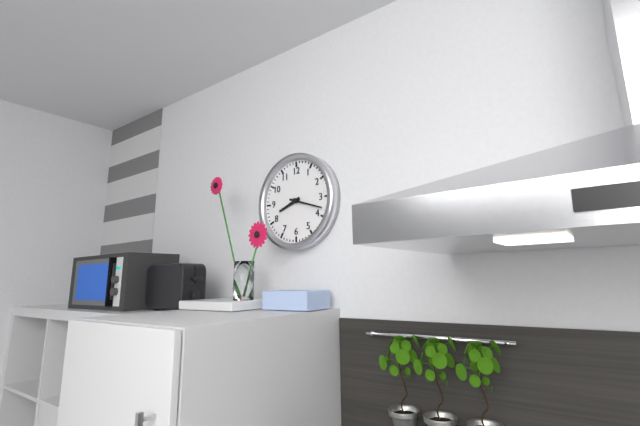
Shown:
8 h 18 min
